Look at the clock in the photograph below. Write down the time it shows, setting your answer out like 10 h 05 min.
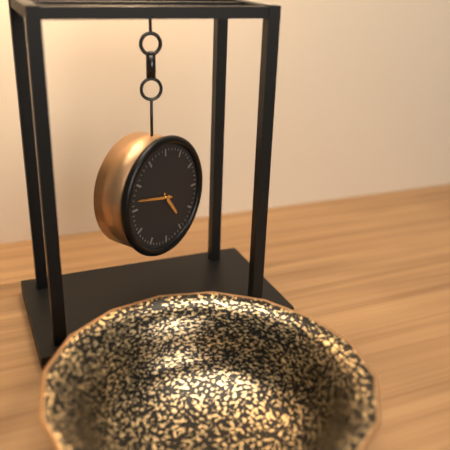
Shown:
4 h 47 min
